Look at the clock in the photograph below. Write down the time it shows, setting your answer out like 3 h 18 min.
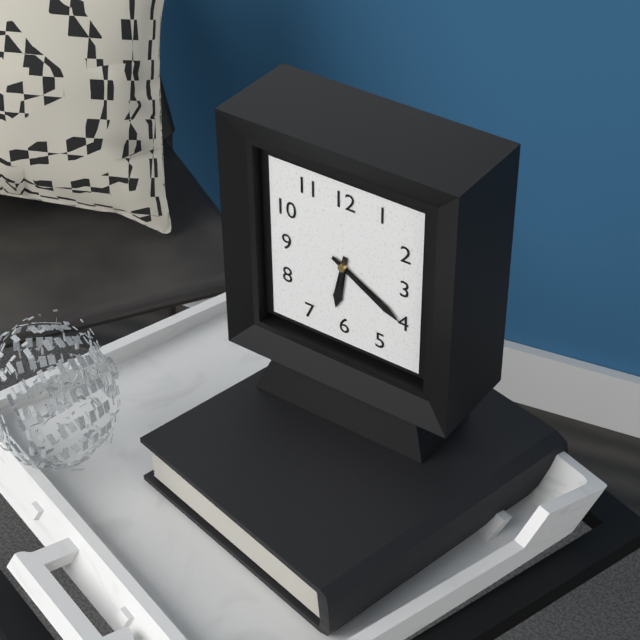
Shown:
6 h 20 min
